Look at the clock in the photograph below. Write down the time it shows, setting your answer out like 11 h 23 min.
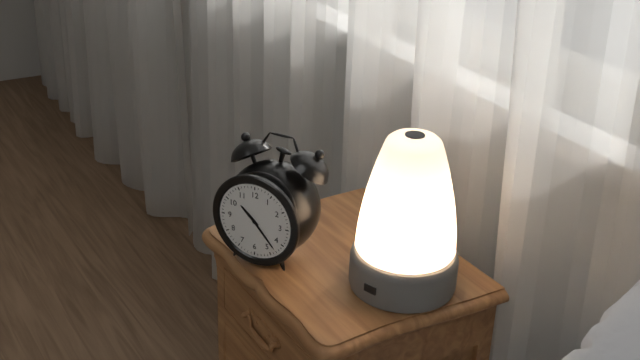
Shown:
10 h 23 min
